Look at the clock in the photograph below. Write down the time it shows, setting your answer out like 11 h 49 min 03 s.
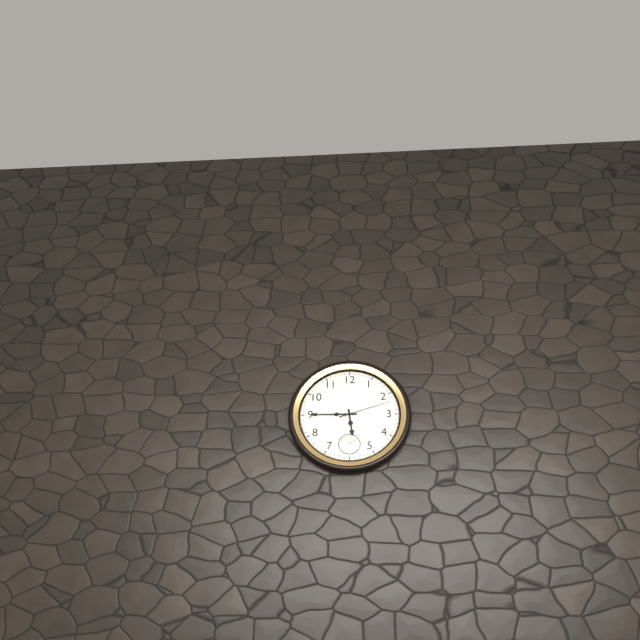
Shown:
5 h 45 min 12 s
